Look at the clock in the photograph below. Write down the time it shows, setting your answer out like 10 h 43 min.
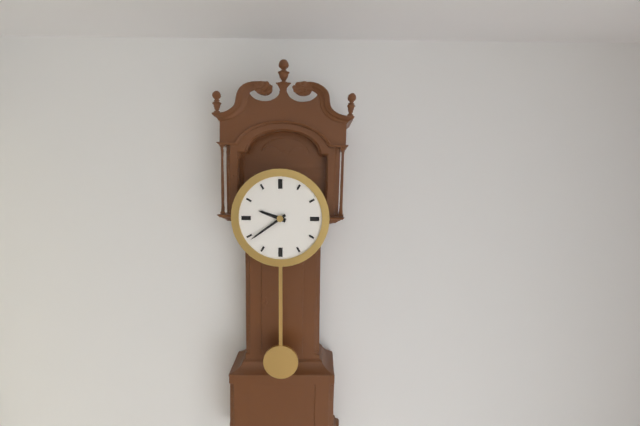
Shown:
9 h 39 min
